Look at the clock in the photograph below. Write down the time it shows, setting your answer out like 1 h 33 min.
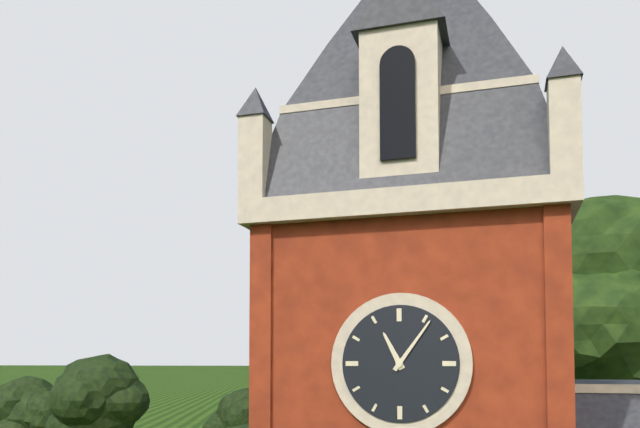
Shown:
11 h 06 min
